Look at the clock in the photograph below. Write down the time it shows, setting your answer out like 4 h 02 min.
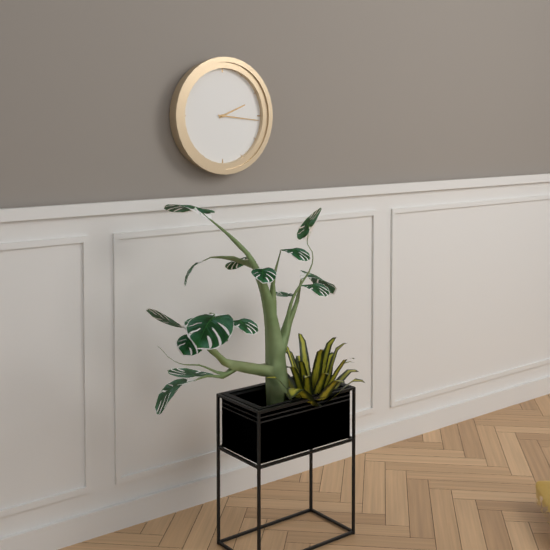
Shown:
2 h 16 min
